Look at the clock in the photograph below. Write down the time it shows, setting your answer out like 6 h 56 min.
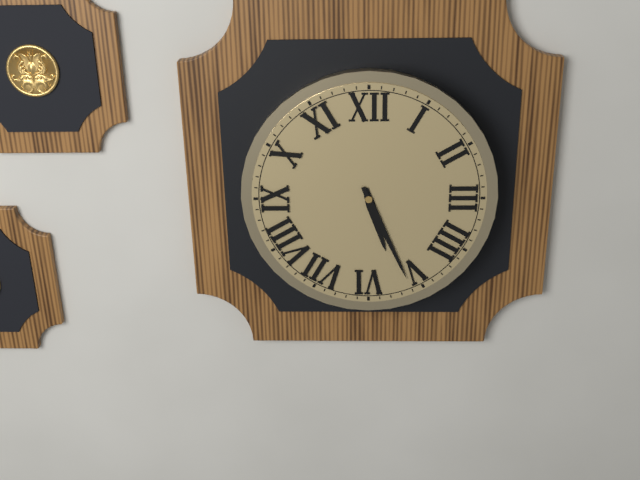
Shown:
5 h 26 min
